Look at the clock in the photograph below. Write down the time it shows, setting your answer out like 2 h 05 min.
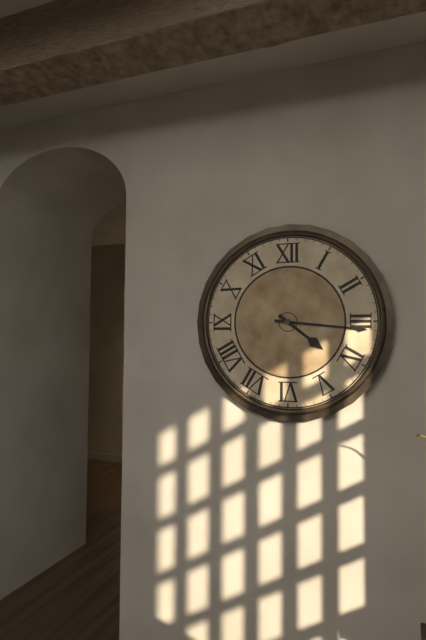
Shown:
4 h 16 min
